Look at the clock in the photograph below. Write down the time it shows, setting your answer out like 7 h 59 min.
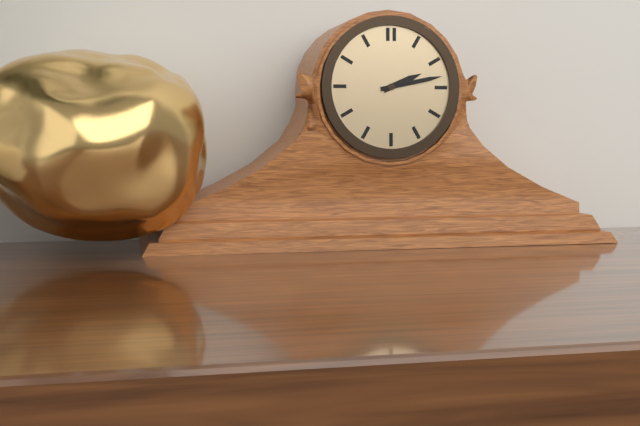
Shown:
2 h 13 min
